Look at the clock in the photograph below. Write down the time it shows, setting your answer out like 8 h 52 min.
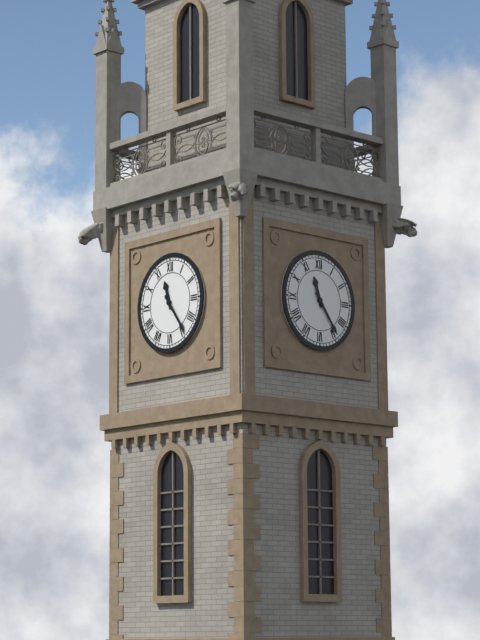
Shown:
11 h 24 min
